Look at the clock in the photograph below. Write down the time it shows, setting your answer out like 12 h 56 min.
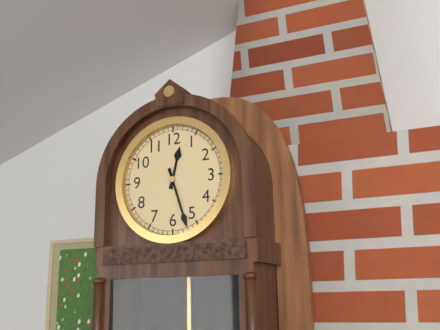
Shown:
12 h 27 min
